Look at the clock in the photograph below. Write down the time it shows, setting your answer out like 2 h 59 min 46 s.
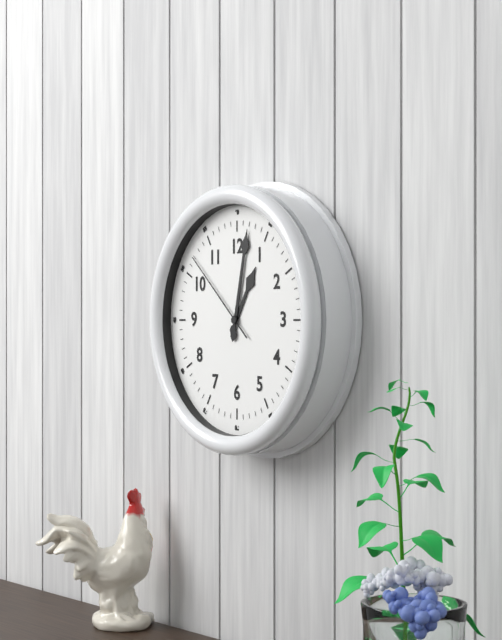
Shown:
1 h 02 min 52 s
